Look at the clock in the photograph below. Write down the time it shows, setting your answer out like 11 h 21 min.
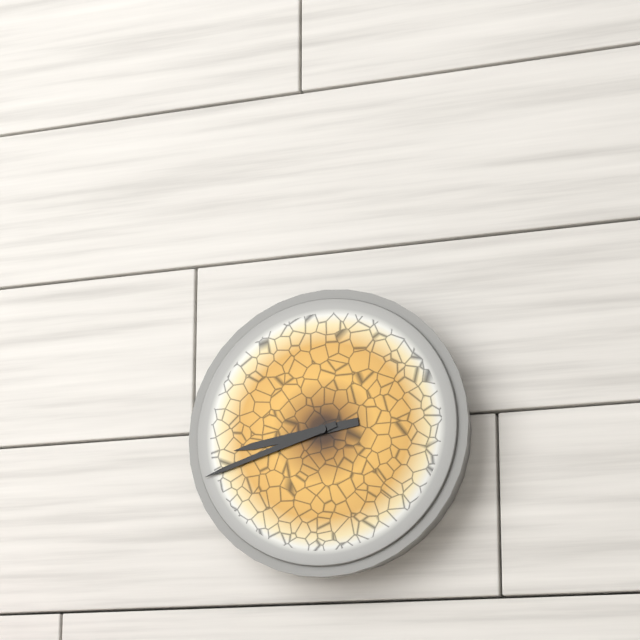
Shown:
8 h 42 min
